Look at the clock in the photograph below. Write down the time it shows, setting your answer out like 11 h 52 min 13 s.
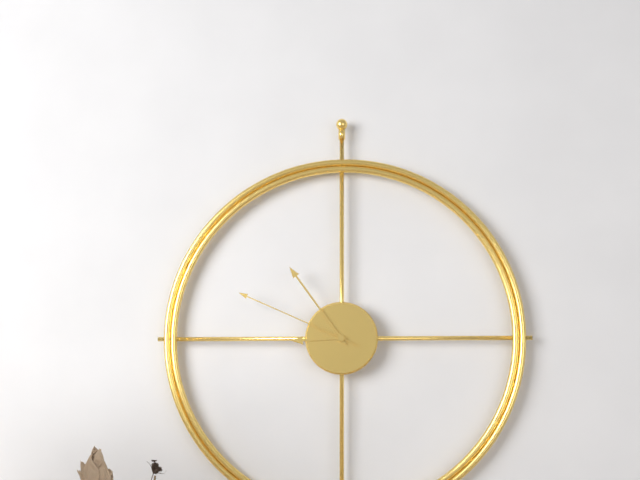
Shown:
8 h 54 min 49 s
